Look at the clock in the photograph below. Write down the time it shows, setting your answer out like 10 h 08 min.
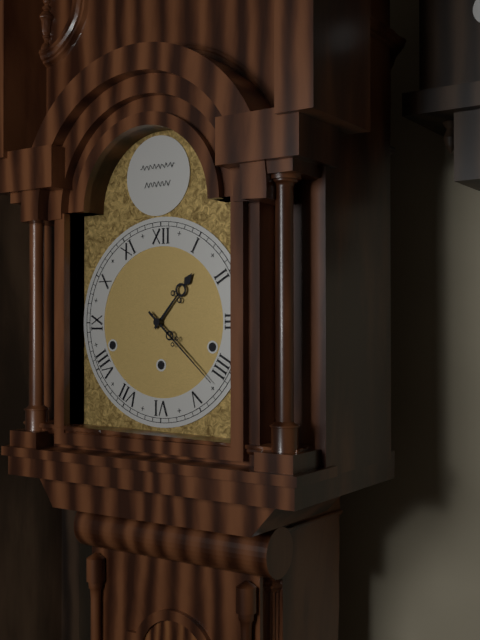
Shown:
1 h 22 min
